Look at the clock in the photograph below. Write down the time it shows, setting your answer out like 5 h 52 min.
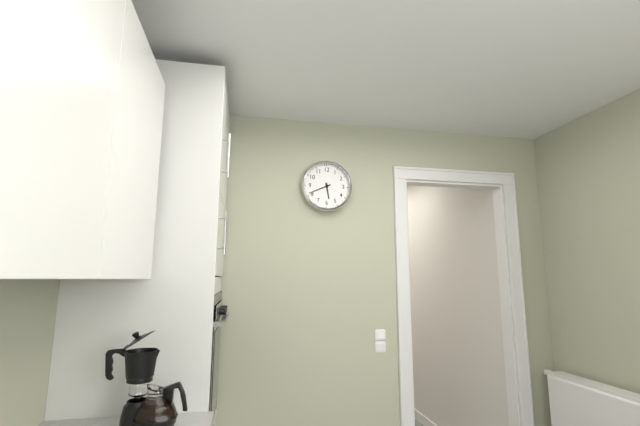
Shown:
5 h 41 min
